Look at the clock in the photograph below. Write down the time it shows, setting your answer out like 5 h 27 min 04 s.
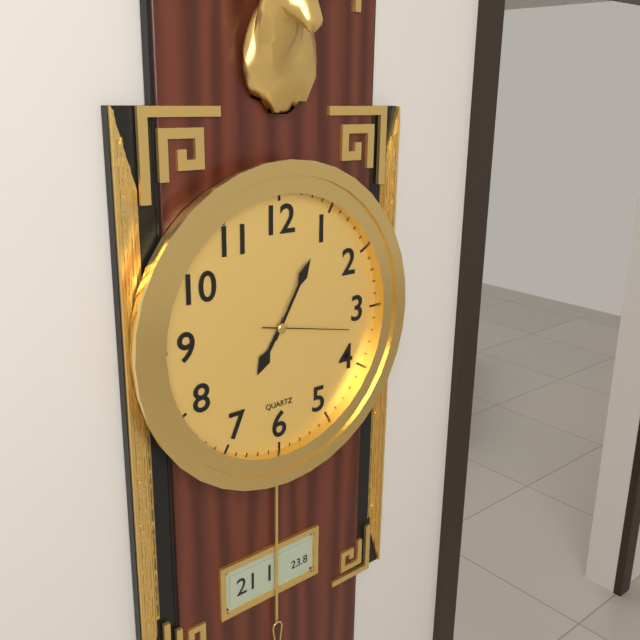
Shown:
7 h 05 min 17 s
